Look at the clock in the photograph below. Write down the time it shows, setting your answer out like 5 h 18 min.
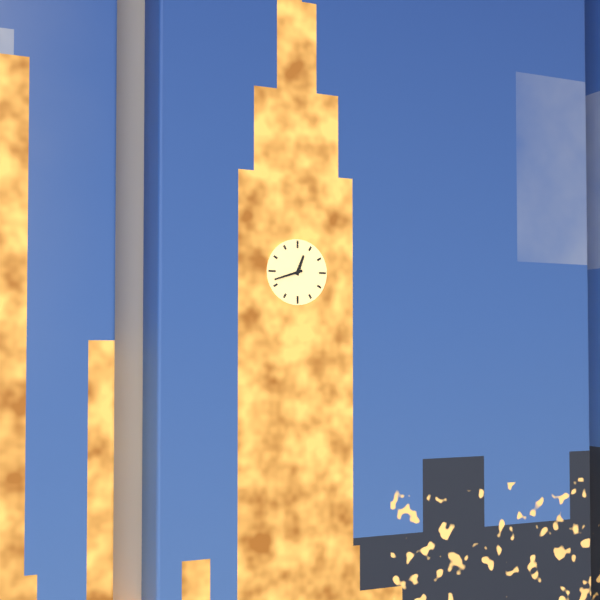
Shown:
12 h 42 min
